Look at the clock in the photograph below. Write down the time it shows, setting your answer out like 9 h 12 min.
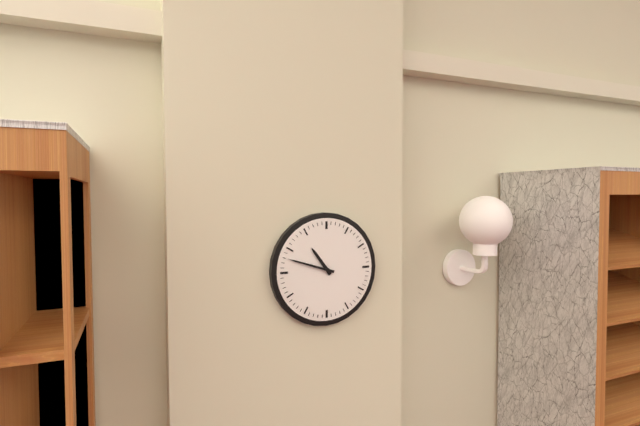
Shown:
10 h 48 min
